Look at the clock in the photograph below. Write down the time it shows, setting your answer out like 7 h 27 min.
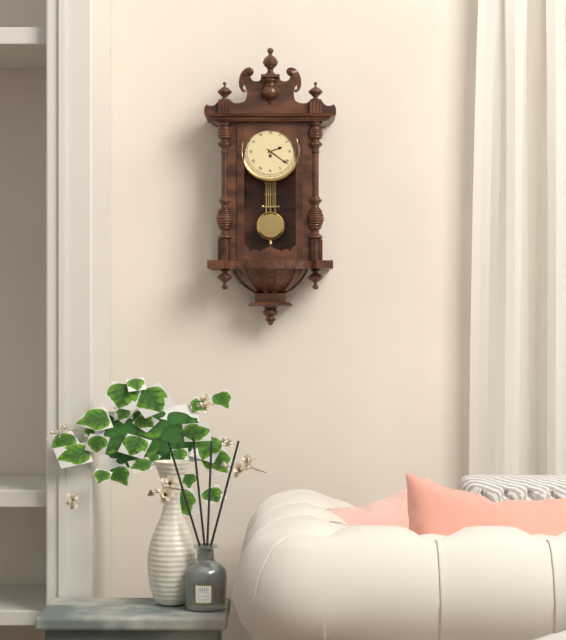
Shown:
2 h 21 min
